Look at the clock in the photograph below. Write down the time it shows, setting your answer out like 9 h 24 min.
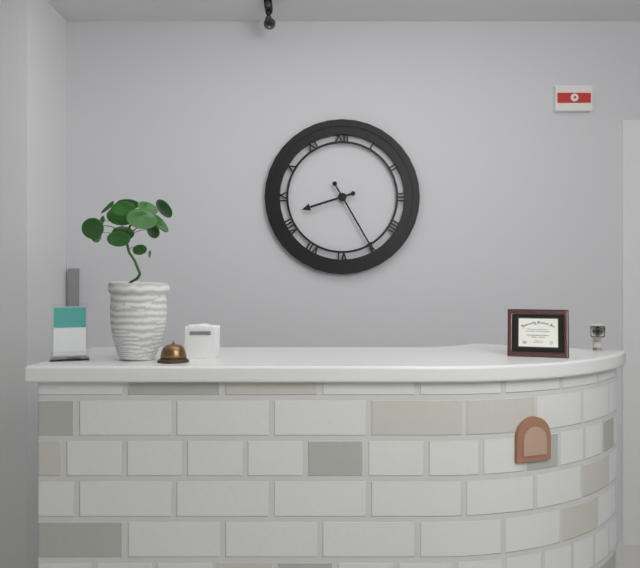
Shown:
8 h 25 min
